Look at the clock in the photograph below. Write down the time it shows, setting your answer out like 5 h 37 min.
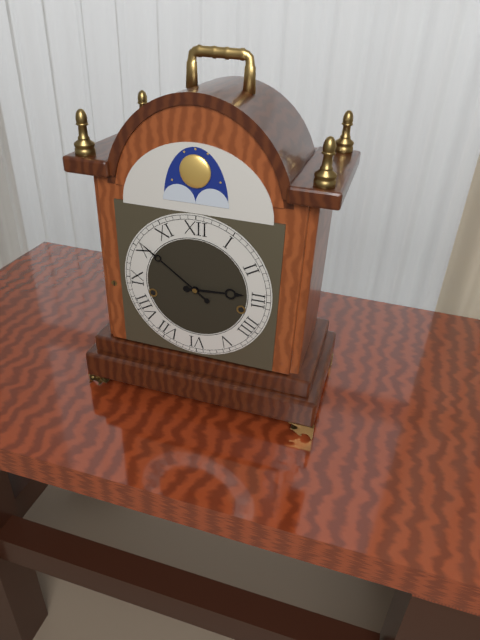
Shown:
2 h 51 min
